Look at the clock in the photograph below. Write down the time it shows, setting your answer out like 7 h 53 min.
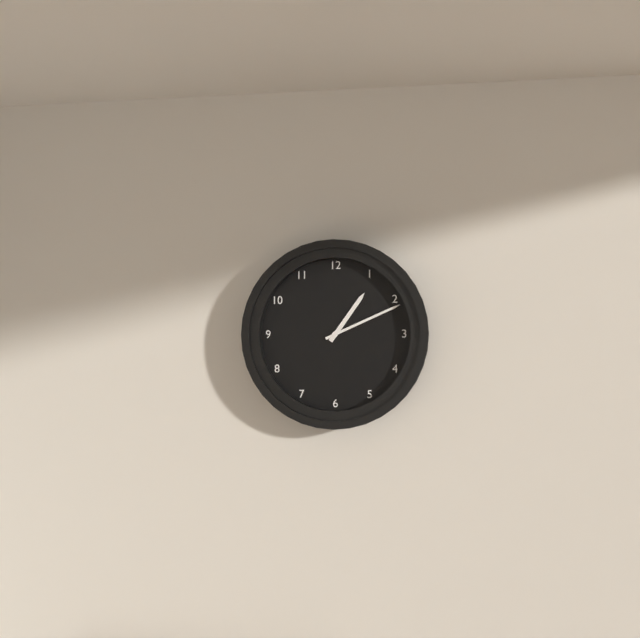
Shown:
1 h 11 min
